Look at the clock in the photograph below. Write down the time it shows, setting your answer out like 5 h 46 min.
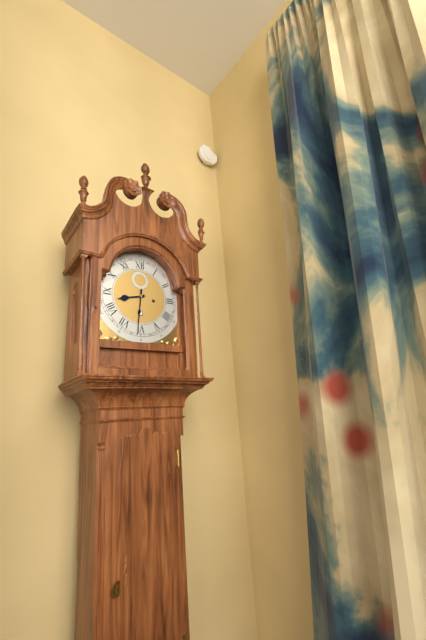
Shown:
8 h 31 min
